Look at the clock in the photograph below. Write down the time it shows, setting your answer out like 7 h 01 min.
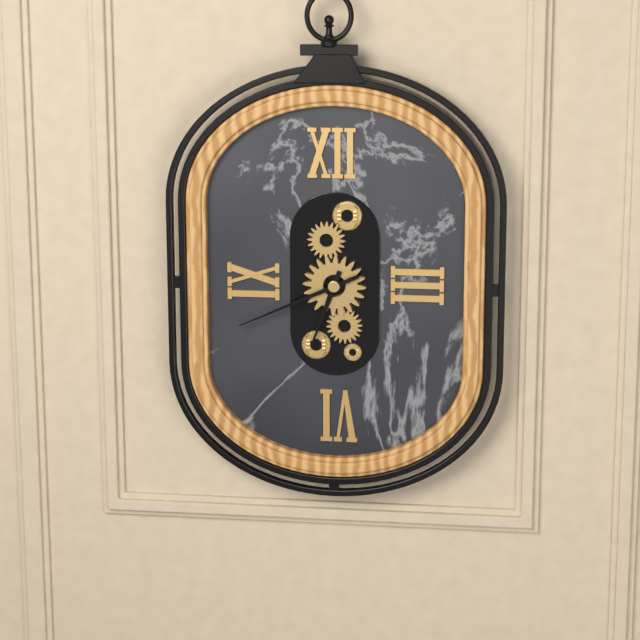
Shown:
6 h 41 min
